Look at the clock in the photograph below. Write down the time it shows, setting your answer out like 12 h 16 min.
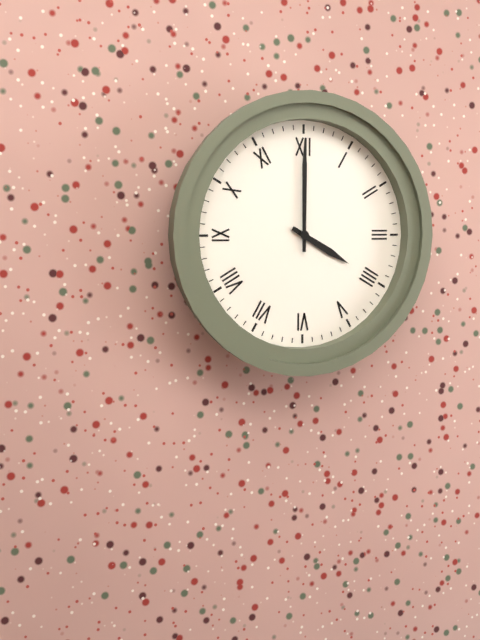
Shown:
4 h 00 min
